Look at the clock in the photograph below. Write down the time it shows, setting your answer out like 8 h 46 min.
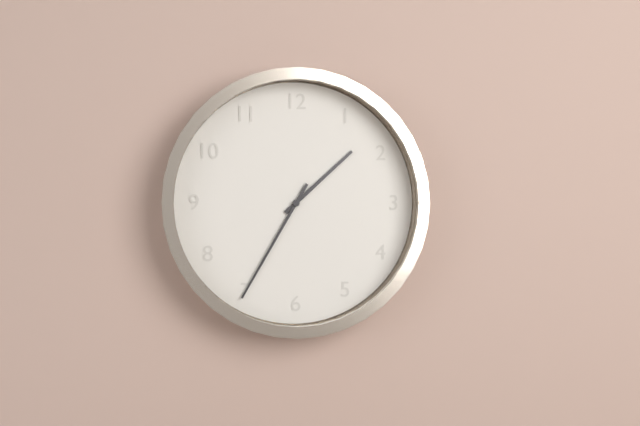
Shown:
1 h 35 min
